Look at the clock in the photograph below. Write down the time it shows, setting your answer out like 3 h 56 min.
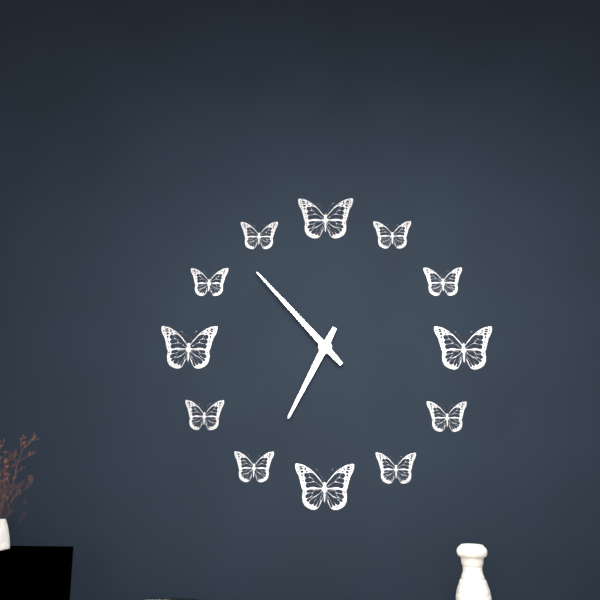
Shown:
6 h 53 min
